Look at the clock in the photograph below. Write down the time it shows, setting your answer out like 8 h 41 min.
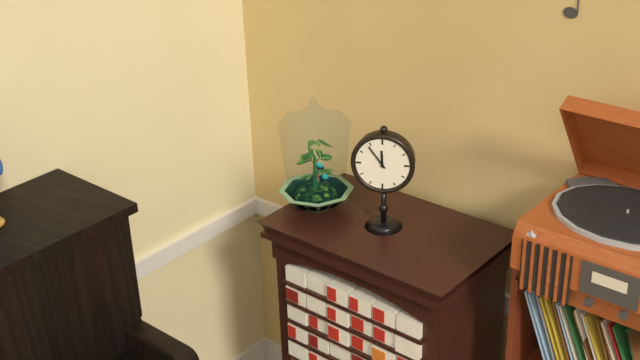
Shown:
11 h 54 min
